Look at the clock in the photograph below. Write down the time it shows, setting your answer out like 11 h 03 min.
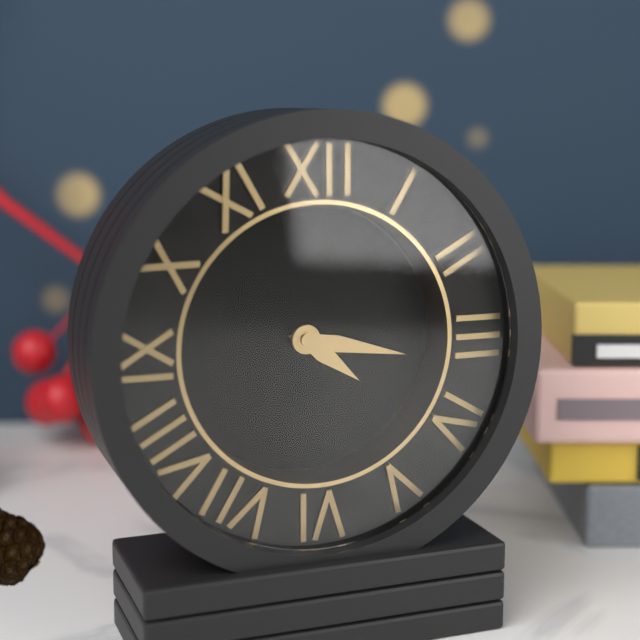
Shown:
4 h 17 min
